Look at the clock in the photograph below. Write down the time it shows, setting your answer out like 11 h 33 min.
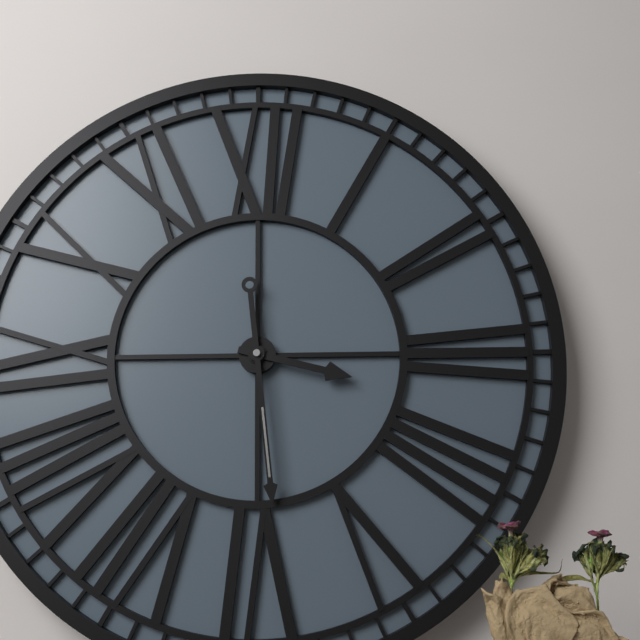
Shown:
3 h 29 min
